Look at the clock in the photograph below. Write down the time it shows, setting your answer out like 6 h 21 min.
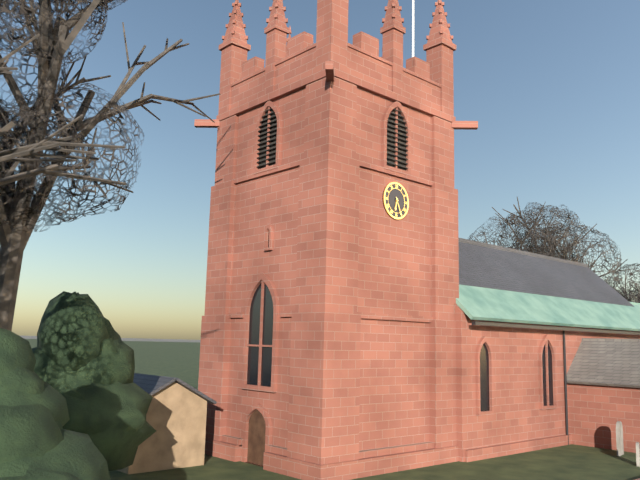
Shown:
6 h 26 min
